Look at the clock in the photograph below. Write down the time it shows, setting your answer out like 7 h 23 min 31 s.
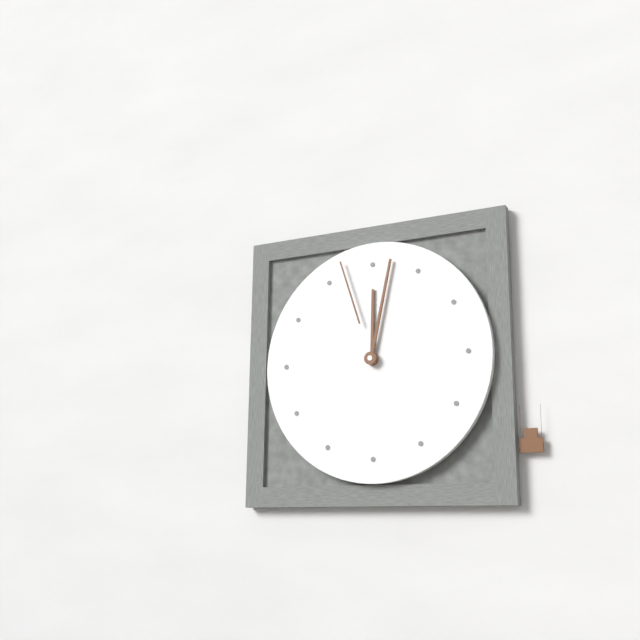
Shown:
12 h 02 min 57 s
